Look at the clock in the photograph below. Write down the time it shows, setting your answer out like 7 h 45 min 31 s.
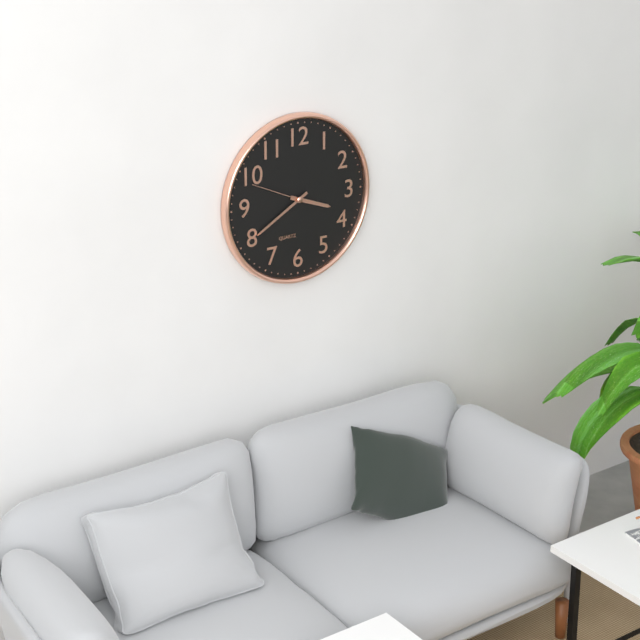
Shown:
3 h 40 min 49 s
